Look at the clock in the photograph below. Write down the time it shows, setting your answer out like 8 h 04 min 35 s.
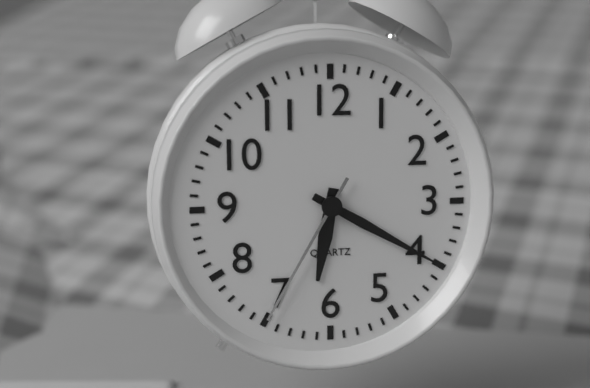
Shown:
6 h 20 min 35 s
